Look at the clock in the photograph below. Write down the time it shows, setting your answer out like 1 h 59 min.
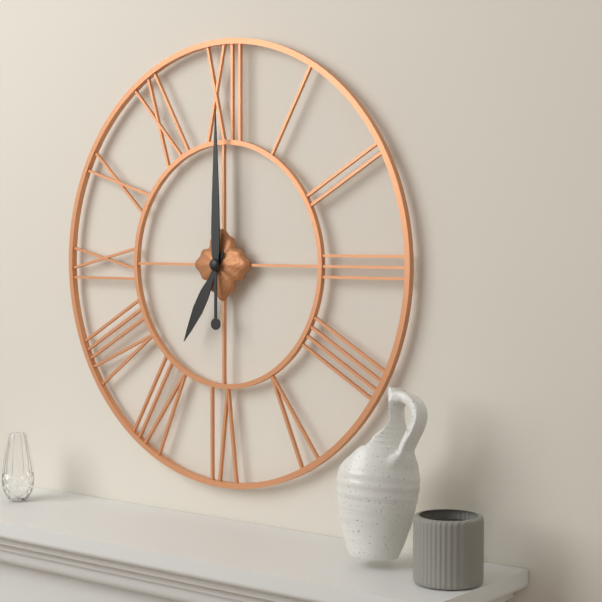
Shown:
7 h 00 min
